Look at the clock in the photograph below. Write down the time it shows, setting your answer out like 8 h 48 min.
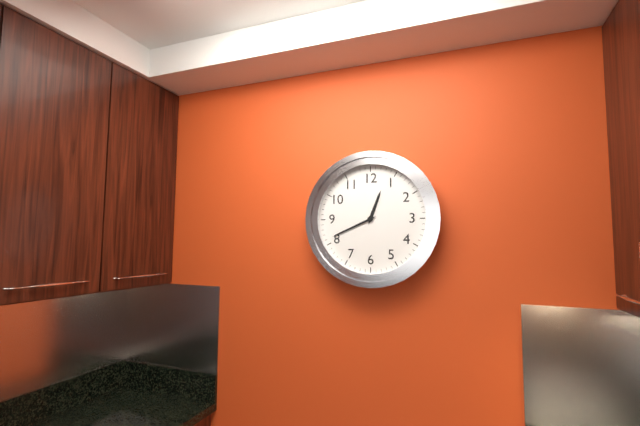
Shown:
12 h 41 min
